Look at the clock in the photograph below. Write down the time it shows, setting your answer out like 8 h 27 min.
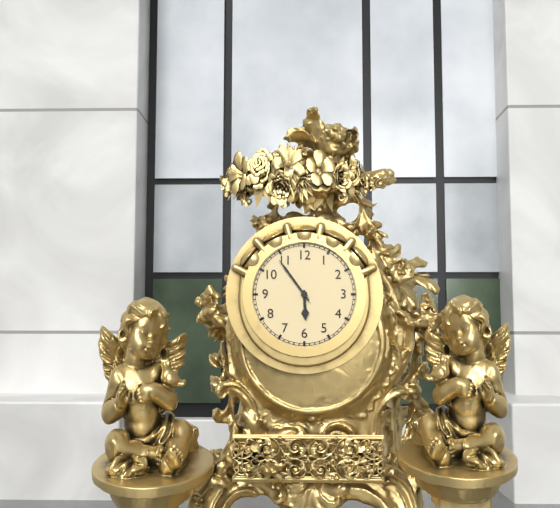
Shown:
5 h 54 min
